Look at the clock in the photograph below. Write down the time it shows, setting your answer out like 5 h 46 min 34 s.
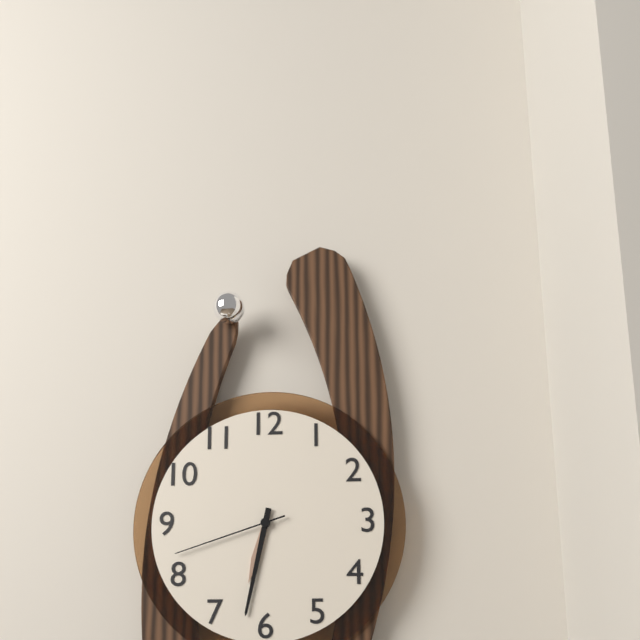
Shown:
6 h 32 min 42 s
